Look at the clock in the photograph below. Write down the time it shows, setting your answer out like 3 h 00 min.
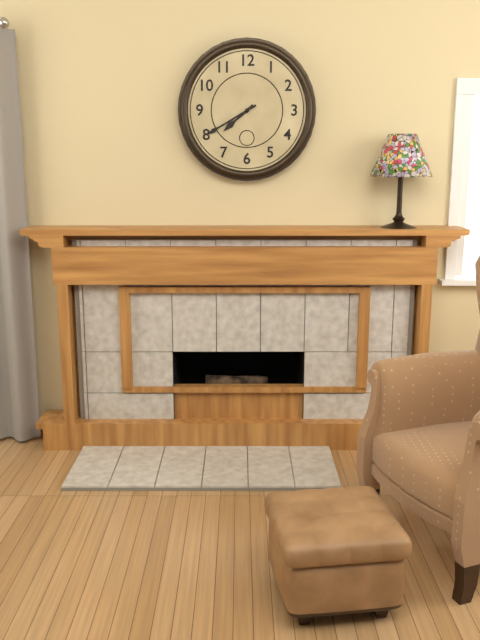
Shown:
7 h 40 min
